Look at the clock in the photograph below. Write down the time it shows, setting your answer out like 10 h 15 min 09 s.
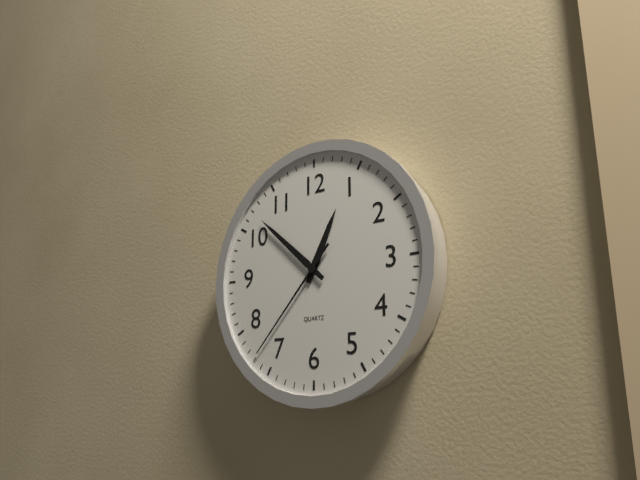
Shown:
12 h 52 min 37 s
